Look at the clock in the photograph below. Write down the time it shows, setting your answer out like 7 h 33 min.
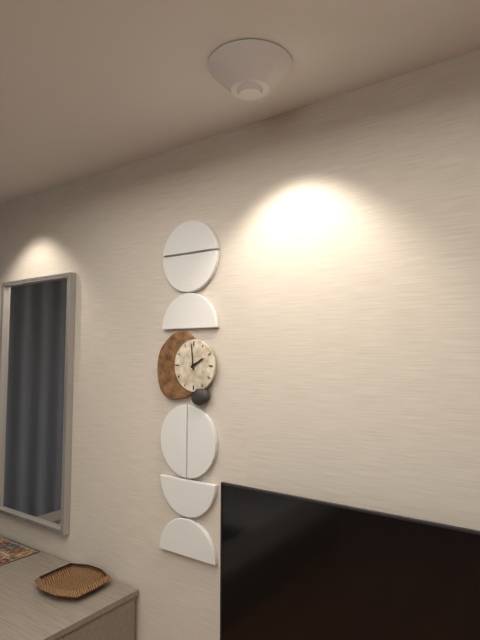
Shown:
1 h 59 min
